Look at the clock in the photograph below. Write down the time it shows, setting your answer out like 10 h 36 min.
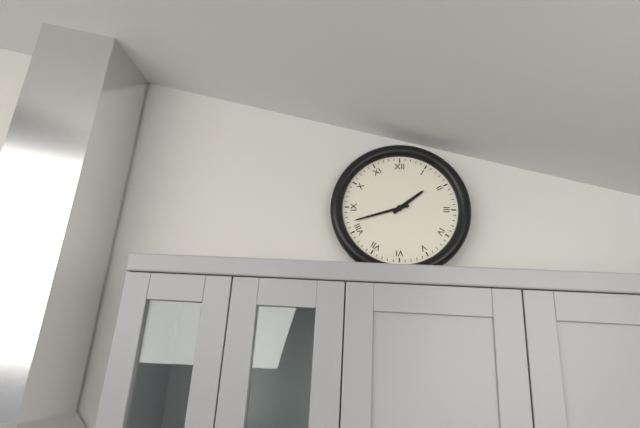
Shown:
1 h 42 min
